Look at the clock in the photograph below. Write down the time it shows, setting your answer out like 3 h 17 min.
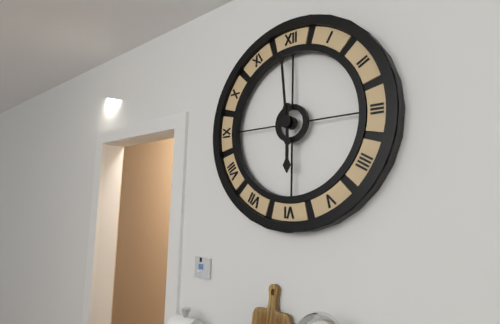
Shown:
5 h 59 min
